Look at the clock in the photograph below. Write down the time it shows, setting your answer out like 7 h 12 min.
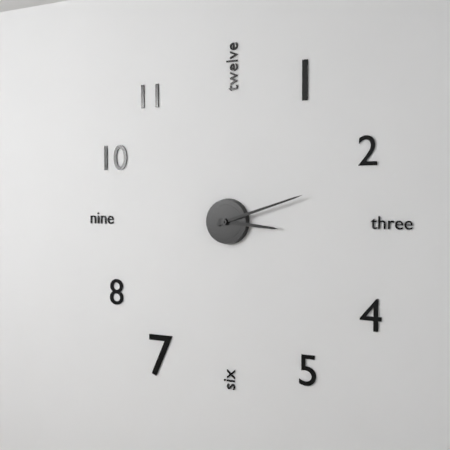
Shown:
3 h 12 min
